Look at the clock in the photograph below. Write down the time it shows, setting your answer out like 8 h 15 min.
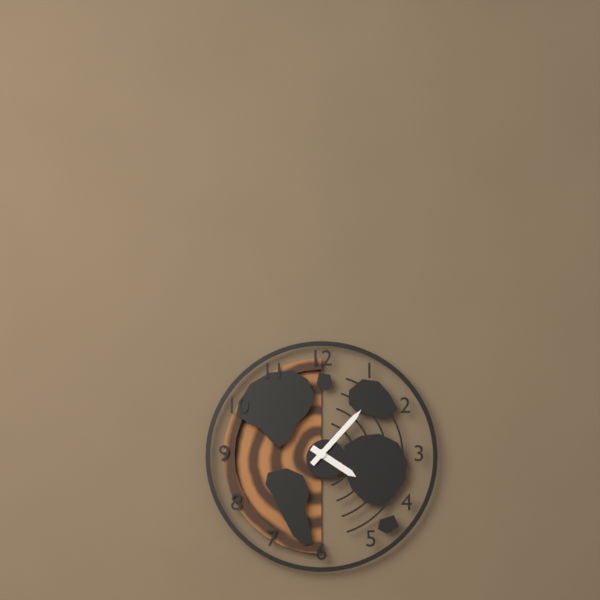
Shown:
4 h 07 min
